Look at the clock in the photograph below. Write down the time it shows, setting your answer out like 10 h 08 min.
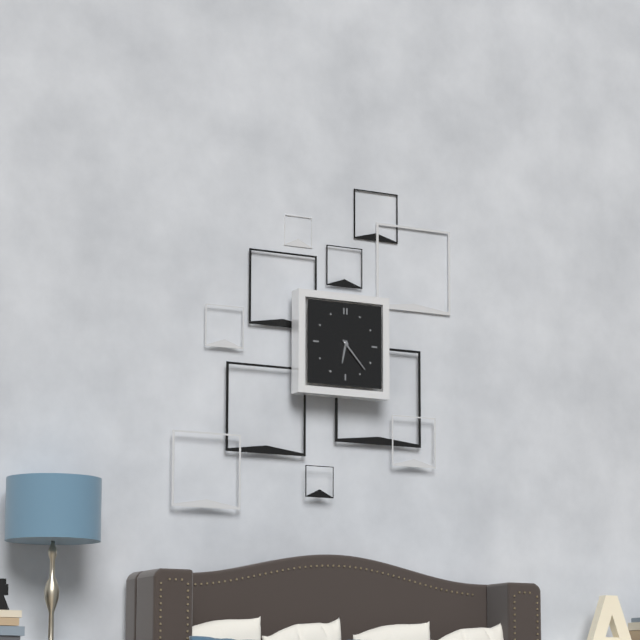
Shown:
6 h 23 min
